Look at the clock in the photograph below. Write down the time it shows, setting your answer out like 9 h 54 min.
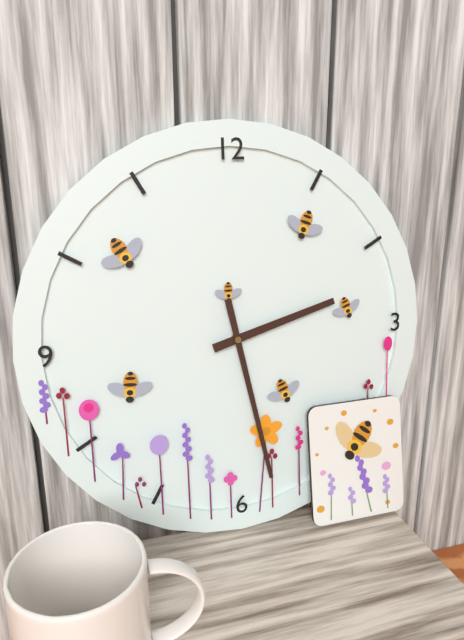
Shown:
2 h 28 min
